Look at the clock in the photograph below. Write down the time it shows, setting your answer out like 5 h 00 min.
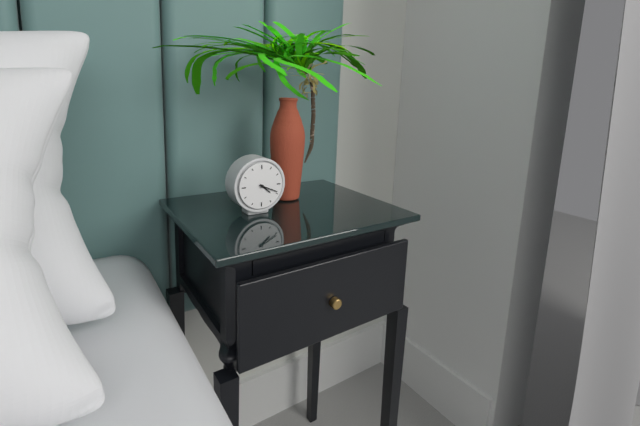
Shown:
4 h 19 min
